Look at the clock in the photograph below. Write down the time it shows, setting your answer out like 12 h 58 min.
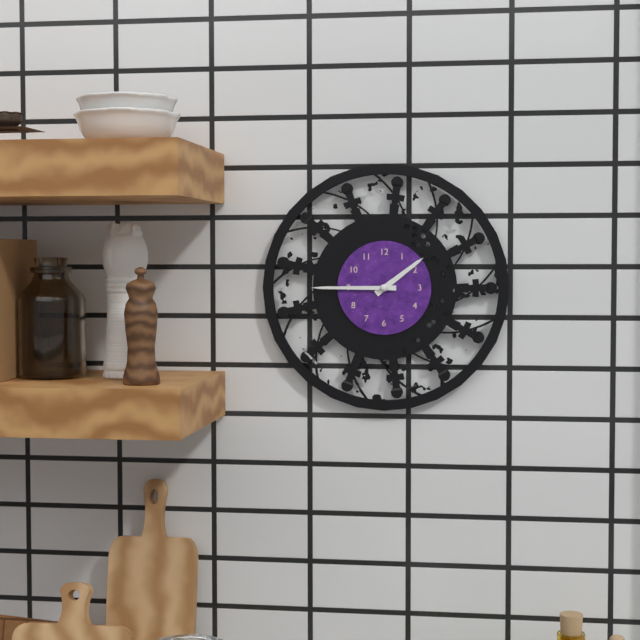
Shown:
1 h 45 min
